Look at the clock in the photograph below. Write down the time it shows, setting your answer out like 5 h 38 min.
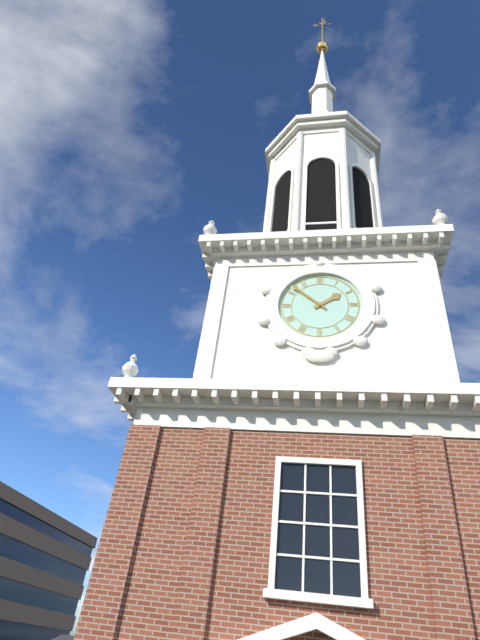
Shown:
1 h 52 min
